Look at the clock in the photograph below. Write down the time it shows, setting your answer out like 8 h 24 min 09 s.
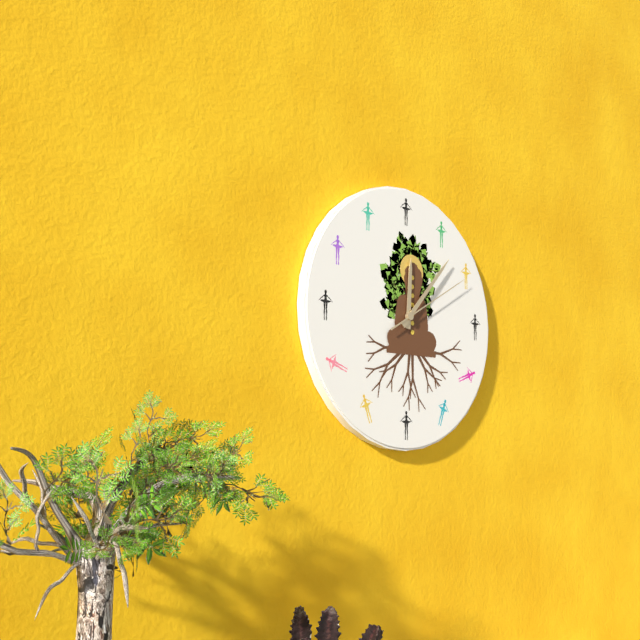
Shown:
12 h 07 min 10 s
